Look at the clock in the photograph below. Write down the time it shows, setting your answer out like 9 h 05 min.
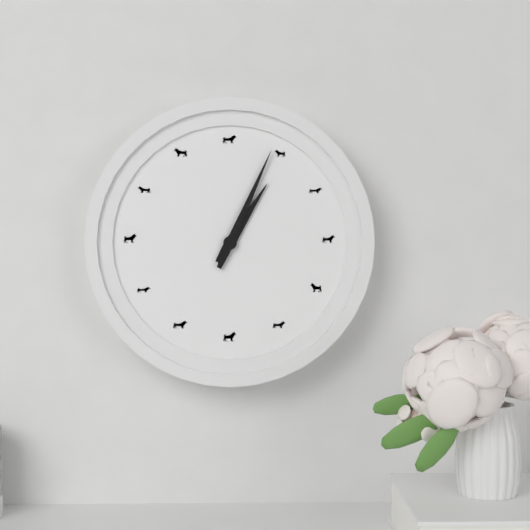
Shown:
1 h 04 min
